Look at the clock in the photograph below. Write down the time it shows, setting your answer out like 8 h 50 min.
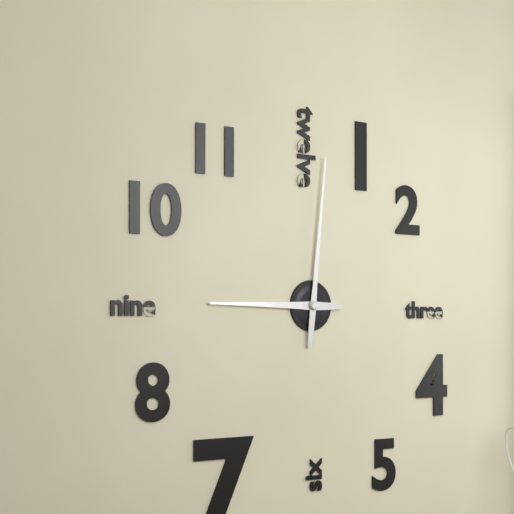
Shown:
9 h 01 min
